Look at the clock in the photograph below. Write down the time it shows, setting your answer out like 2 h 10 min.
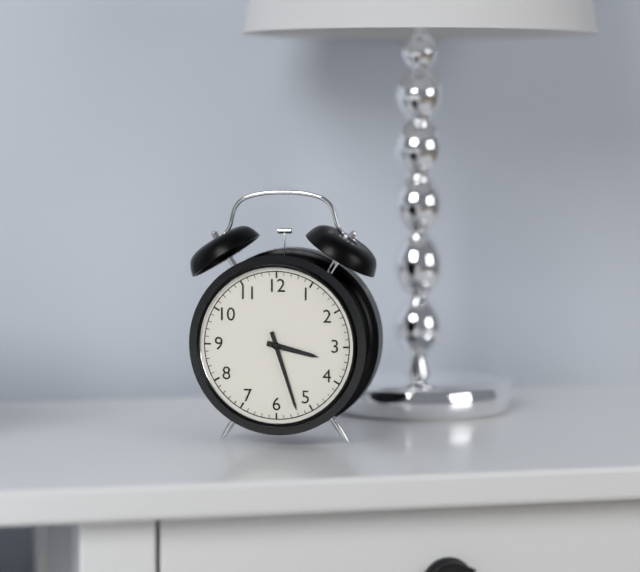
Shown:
3 h 27 min
